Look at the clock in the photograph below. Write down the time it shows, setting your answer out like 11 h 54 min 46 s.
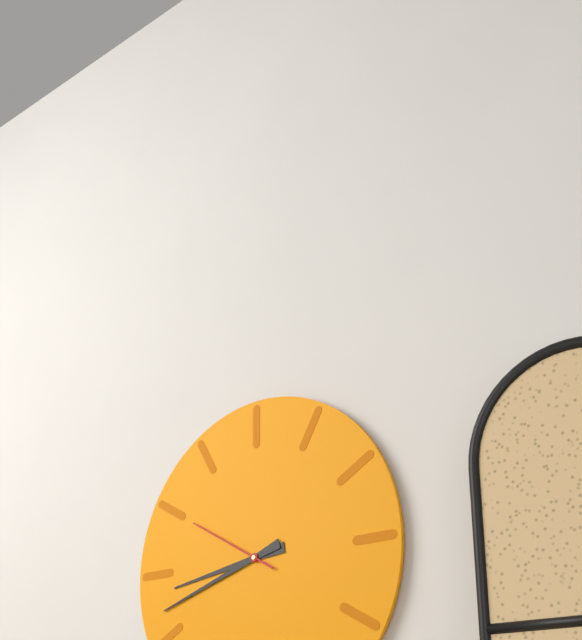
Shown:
8 h 42 min 50 s
